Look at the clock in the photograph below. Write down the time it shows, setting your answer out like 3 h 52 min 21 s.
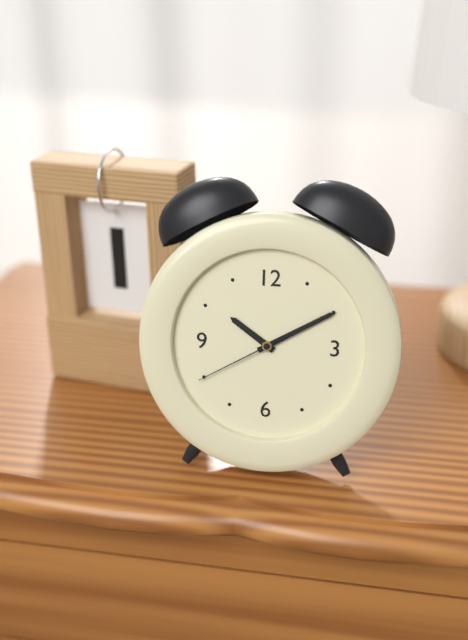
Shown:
10 h 10 min 40 s
